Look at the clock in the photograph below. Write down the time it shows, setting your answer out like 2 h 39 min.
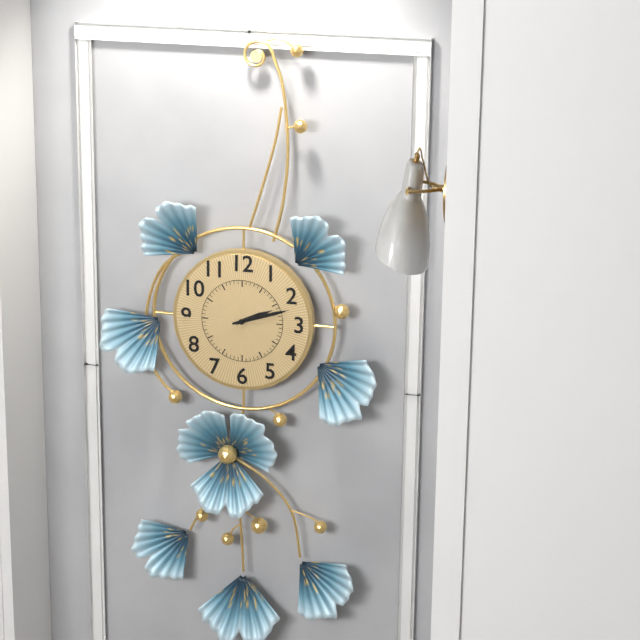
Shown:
2 h 12 min
